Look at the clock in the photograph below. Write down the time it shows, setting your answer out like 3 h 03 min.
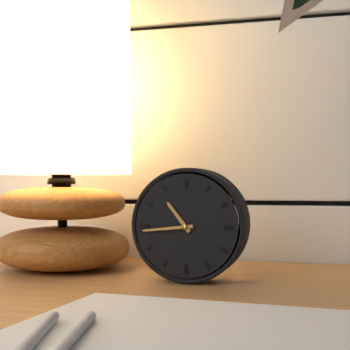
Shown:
10 h 44 min
